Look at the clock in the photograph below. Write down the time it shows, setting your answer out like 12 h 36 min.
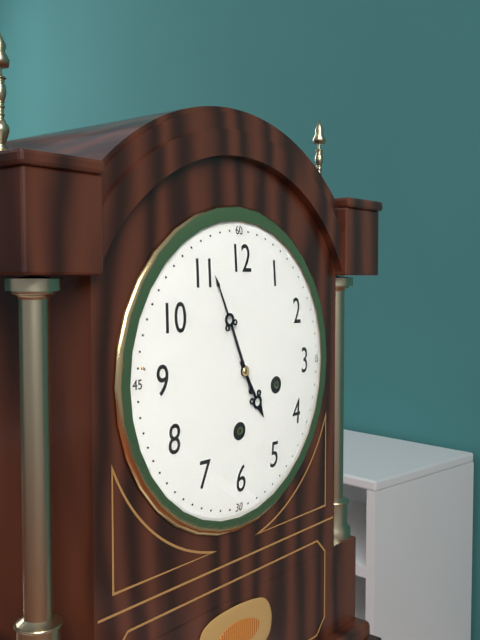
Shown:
4 h 56 min
